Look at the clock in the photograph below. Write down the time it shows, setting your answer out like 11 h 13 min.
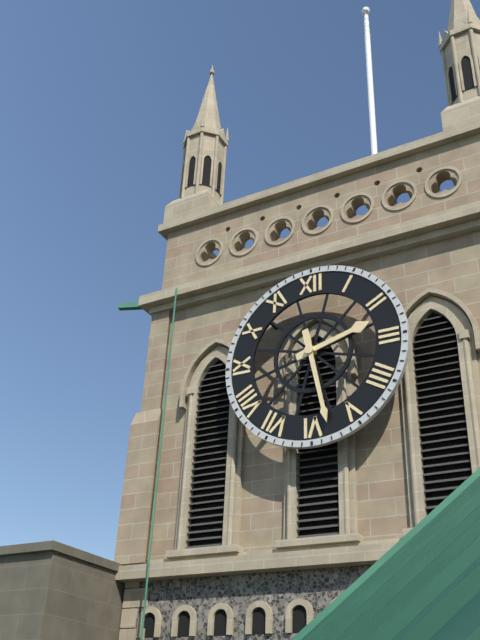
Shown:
2 h 28 min
